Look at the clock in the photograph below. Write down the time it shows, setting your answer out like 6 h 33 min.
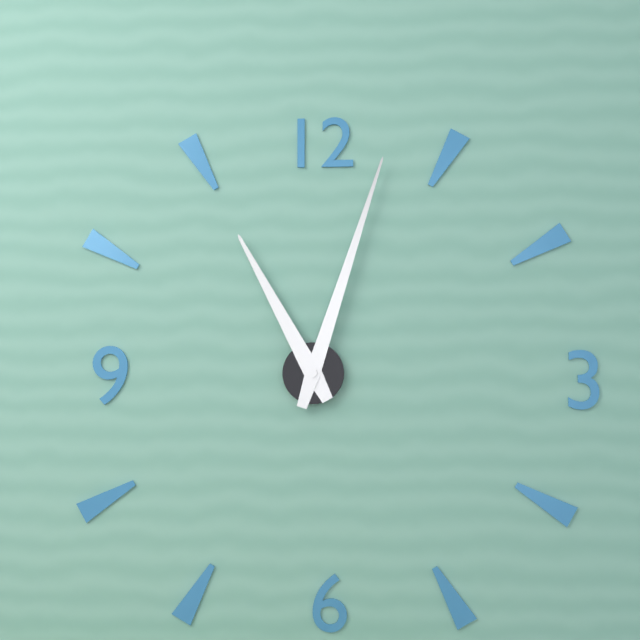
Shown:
11 h 03 min
